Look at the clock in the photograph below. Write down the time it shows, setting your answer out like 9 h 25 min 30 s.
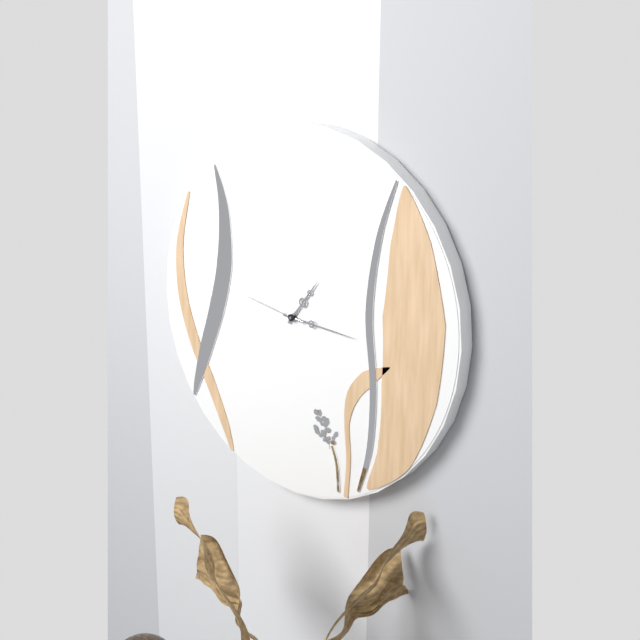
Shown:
1 h 16 min 47 s
